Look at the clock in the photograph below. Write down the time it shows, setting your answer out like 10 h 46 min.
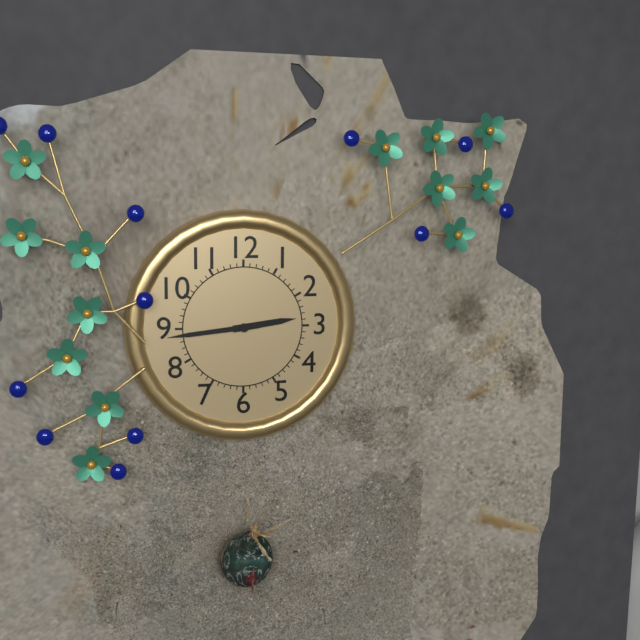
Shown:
2 h 44 min
